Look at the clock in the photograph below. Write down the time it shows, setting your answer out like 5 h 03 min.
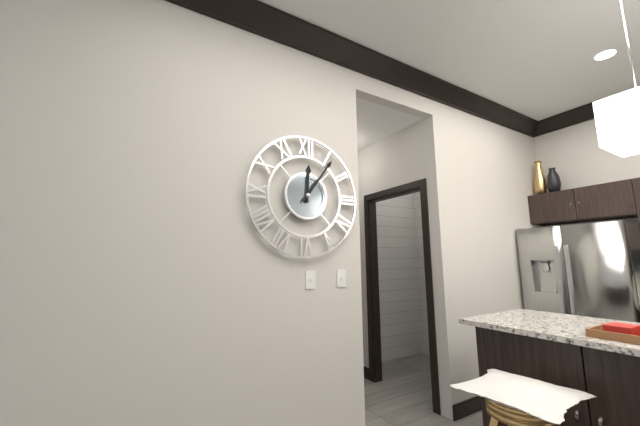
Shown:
12 h 06 min
